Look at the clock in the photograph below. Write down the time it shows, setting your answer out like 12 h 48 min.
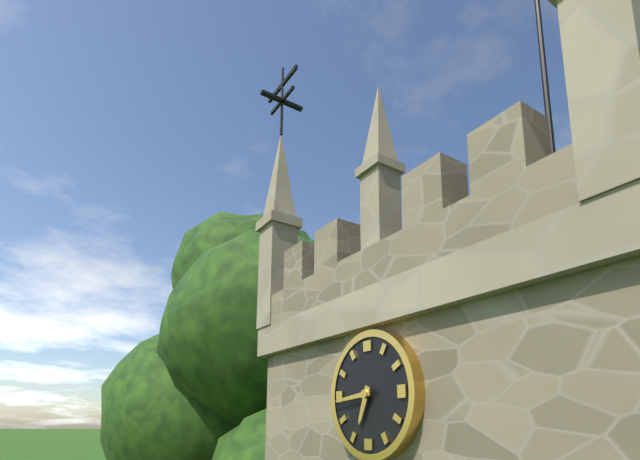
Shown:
6 h 44 min
